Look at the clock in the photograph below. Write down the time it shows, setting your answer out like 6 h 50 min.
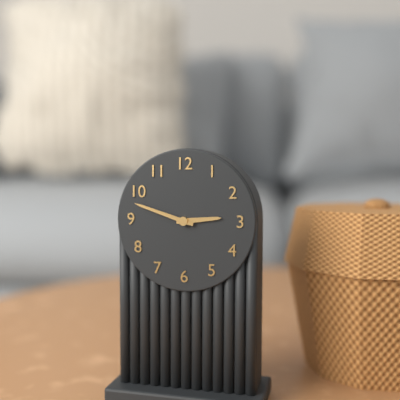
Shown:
2 h 48 min
